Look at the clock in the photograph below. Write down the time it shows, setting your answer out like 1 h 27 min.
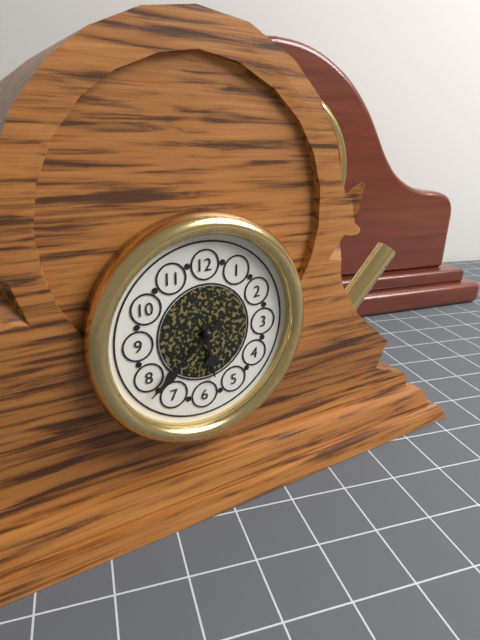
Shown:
5 h 38 min
